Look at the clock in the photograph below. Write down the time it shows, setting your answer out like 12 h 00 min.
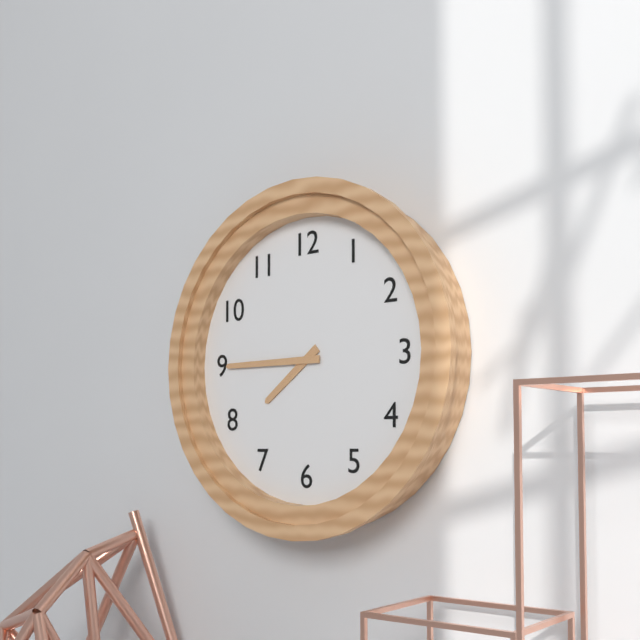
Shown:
7 h 45 min
